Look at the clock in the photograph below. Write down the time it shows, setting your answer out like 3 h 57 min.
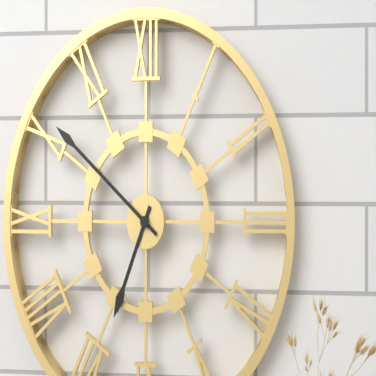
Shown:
6 h 51 min
